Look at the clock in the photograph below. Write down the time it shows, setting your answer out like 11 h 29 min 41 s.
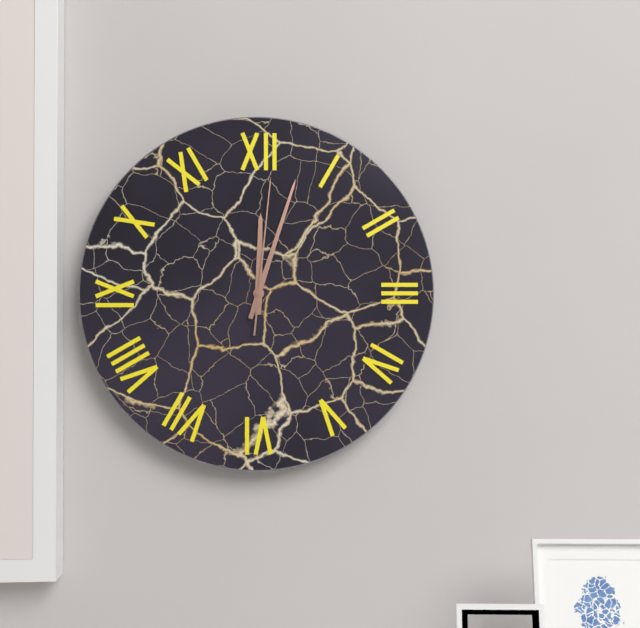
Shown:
12 h 03 min 01 s
